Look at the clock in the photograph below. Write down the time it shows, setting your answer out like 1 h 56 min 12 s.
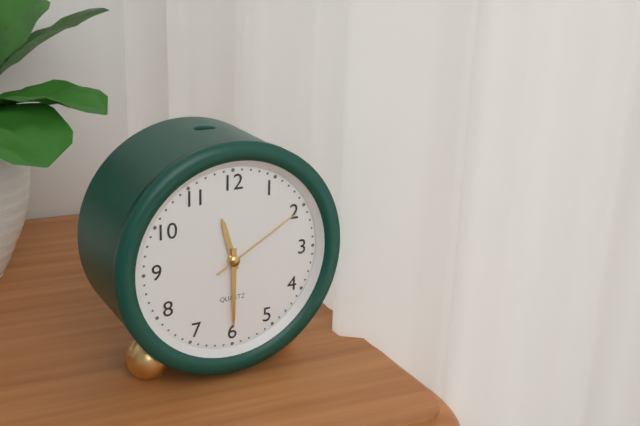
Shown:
11 h 30 min 10 s
